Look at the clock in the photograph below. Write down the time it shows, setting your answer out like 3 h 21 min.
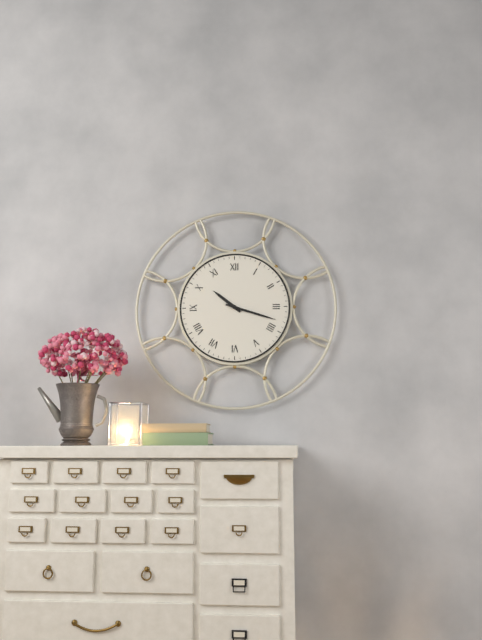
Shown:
10 h 18 min
